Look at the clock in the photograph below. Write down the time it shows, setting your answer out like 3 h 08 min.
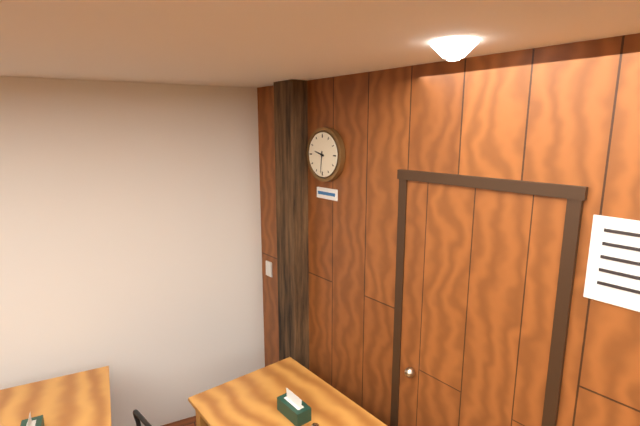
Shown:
9 h 31 min
